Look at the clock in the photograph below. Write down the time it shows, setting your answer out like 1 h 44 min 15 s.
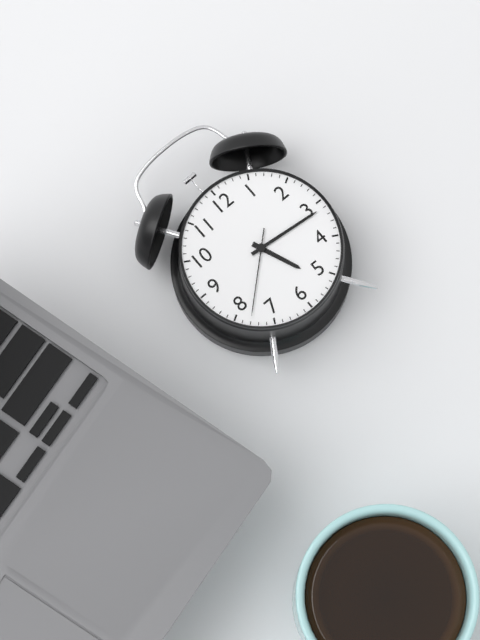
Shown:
5 h 16 min 38 s
